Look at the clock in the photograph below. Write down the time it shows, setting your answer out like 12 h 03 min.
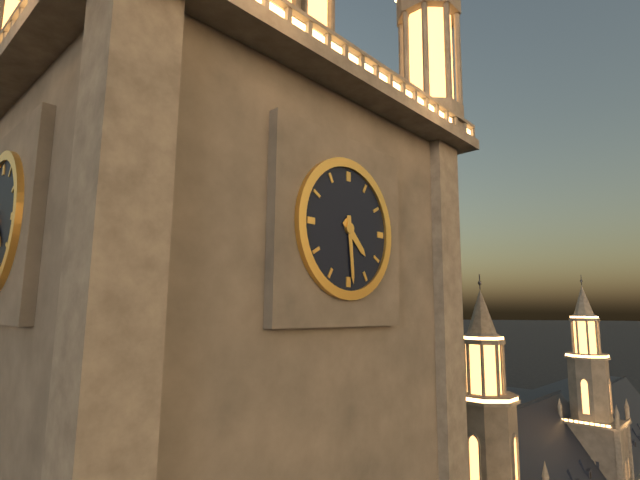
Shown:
4 h 29 min
